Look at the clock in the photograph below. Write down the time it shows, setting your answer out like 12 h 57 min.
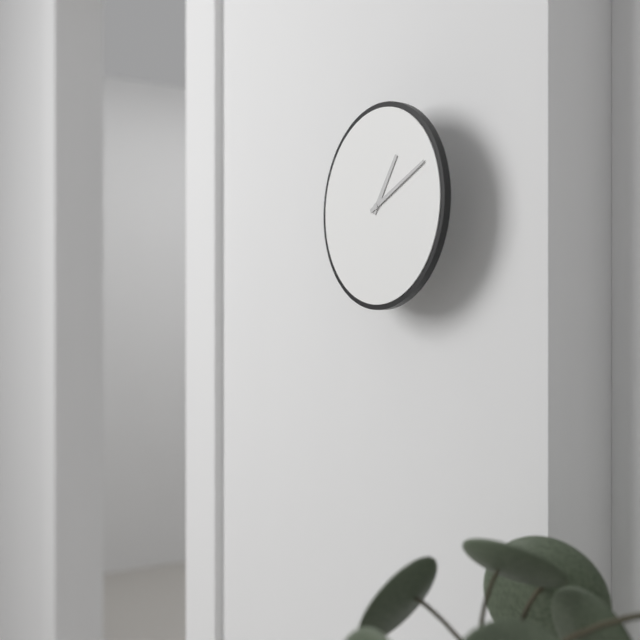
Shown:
1 h 11 min
